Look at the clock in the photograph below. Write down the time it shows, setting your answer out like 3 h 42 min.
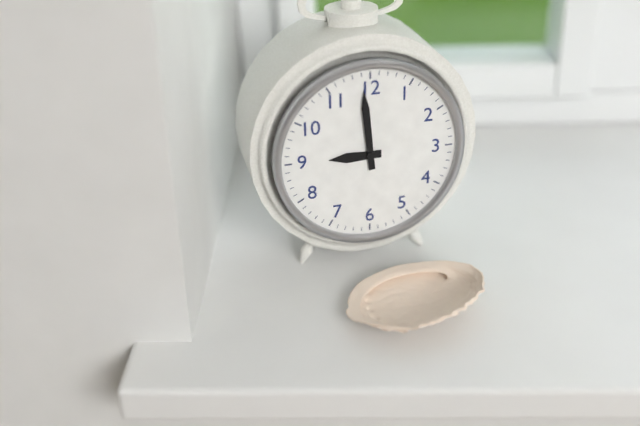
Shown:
8 h 59 min
